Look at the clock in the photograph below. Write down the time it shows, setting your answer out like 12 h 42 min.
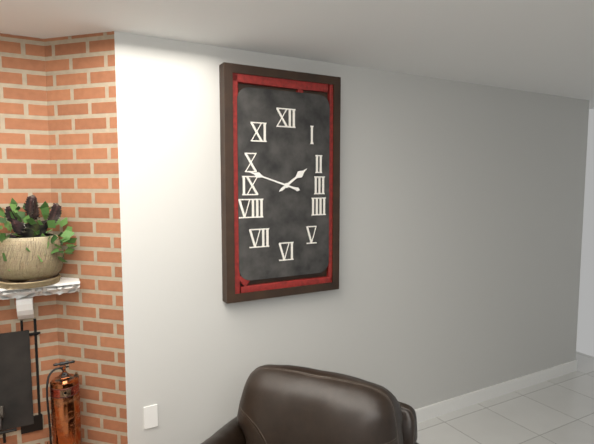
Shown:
1 h 48 min
